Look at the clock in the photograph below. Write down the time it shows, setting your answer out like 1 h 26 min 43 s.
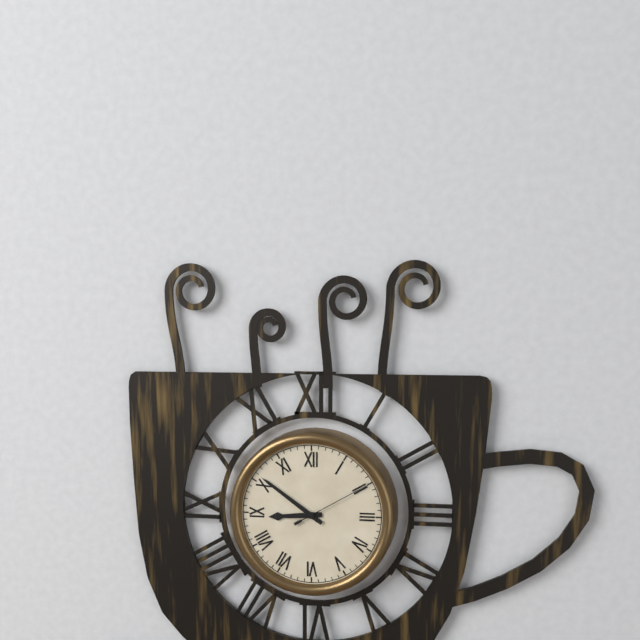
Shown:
8 h 51 min 10 s
